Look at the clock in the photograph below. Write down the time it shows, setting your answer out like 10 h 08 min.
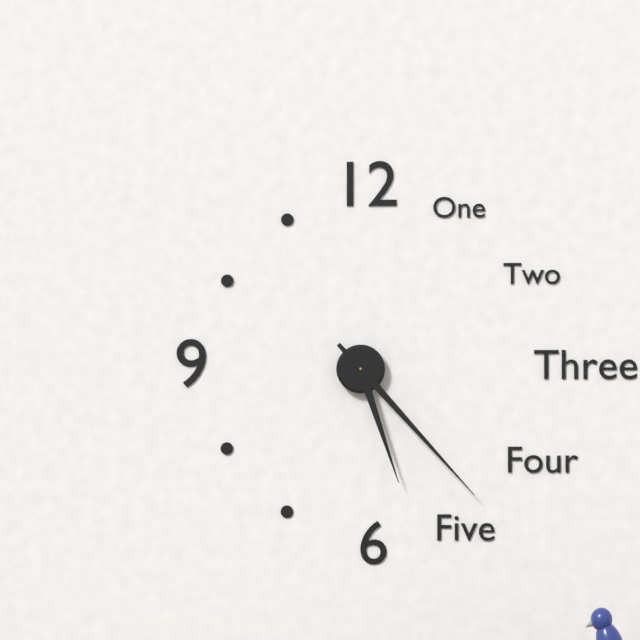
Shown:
5 h 23 min
